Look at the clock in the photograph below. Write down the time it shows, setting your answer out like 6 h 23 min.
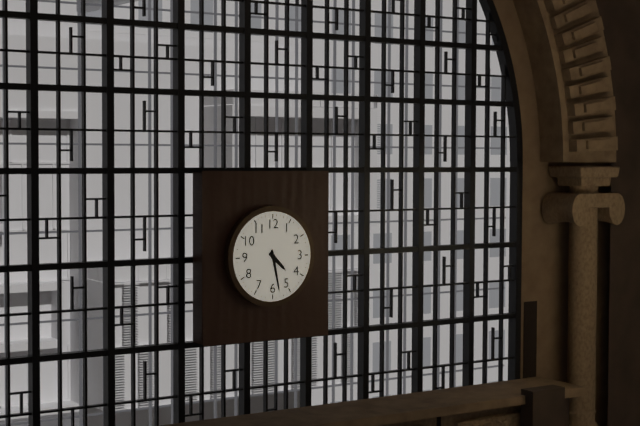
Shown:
4 h 28 min
